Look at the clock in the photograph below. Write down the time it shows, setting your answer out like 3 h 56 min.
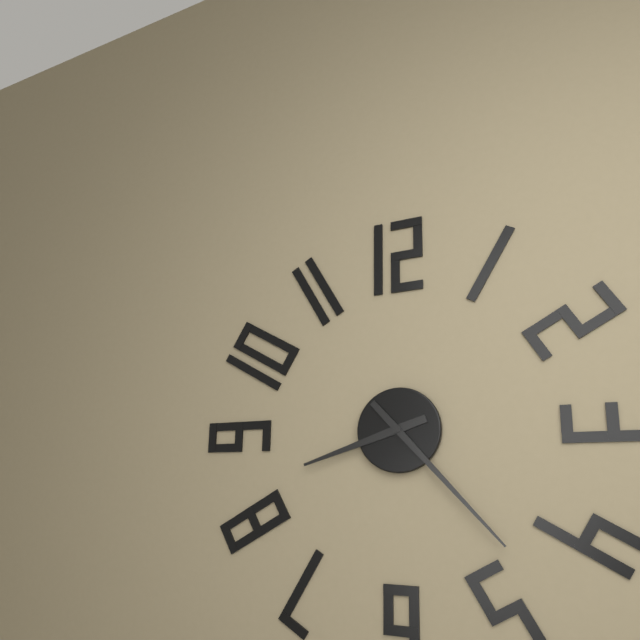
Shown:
8 h 23 min
